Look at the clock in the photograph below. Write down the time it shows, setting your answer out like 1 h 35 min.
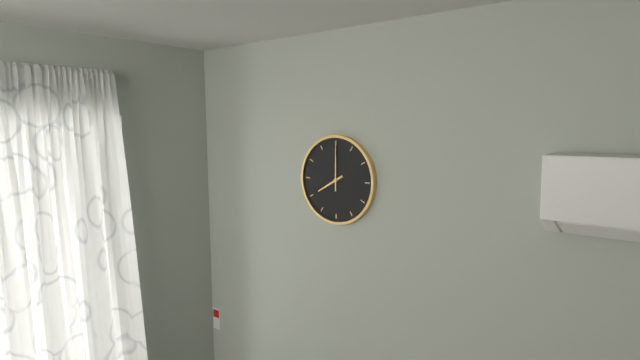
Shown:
8 h 00 min
